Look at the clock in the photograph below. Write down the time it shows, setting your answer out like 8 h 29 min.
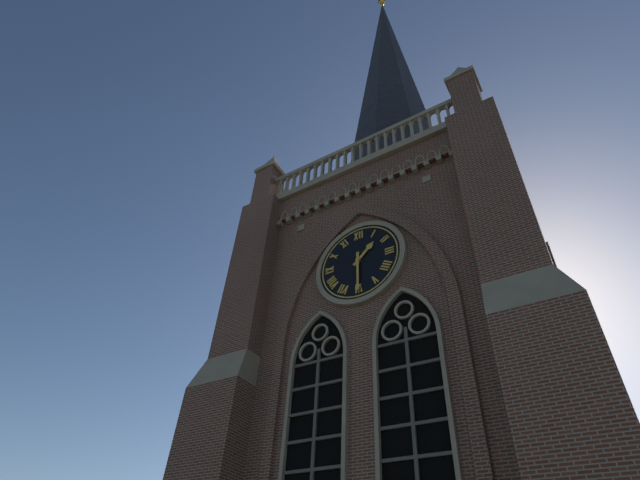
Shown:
1 h 30 min
